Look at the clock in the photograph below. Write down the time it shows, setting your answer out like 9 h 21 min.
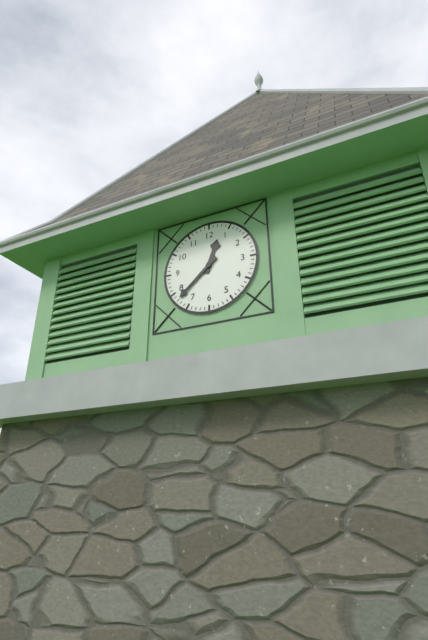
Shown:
12 h 38 min
